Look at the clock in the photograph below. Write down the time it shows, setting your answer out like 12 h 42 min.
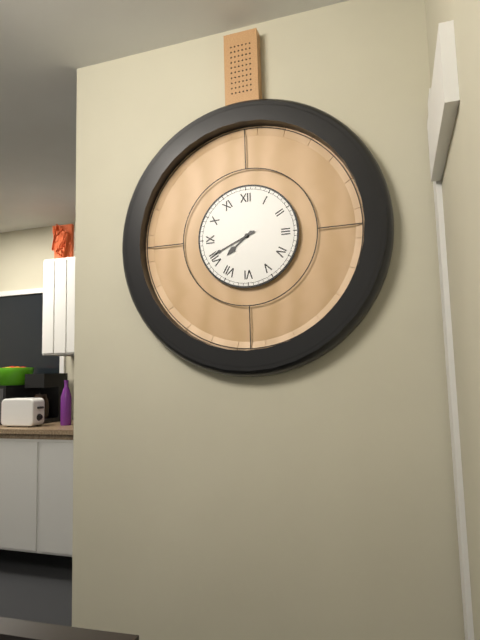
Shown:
7 h 41 min
